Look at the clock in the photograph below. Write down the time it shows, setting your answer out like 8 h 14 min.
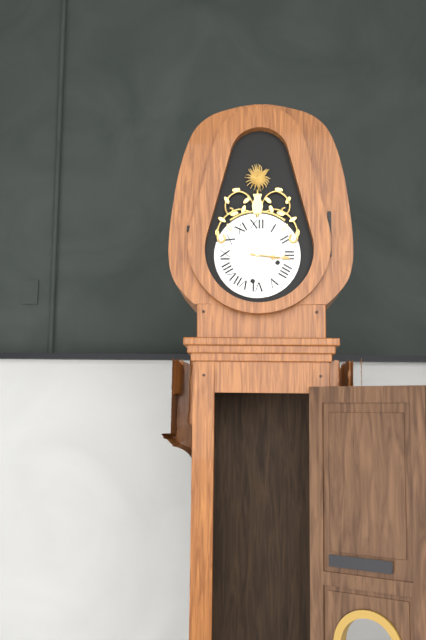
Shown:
3 h 16 min
